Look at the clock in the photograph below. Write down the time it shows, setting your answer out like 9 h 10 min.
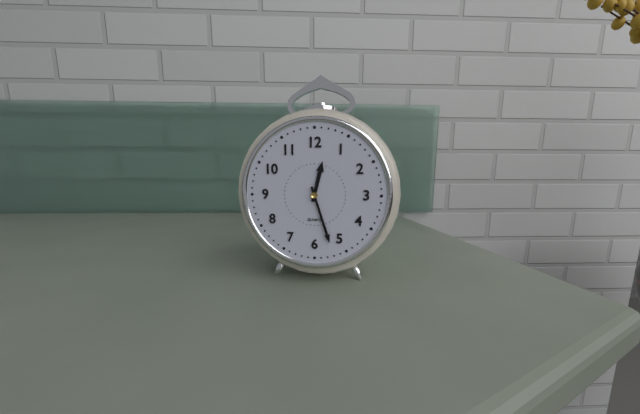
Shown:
12 h 27 min
